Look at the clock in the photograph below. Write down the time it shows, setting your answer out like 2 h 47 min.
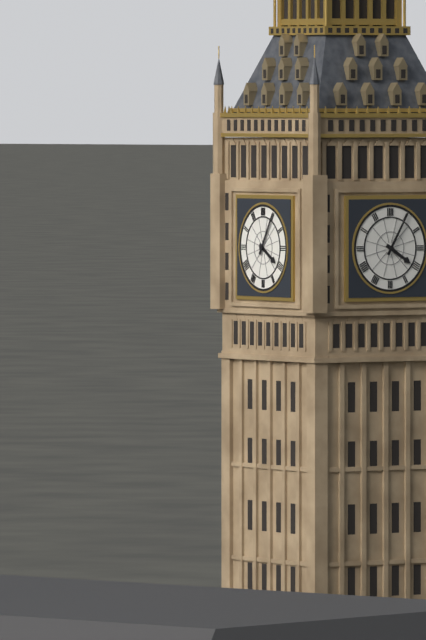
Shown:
4 h 05 min
